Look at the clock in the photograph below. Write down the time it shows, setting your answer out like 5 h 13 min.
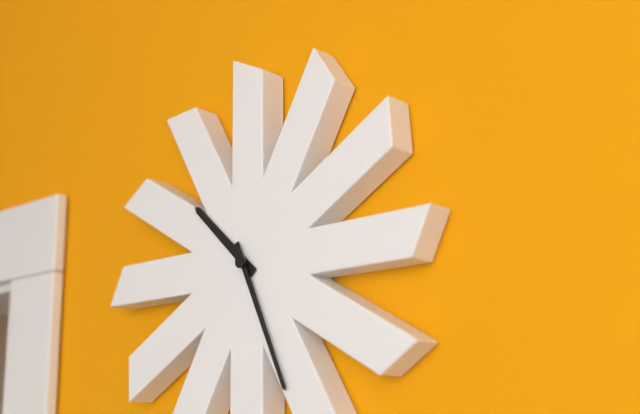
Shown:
10 h 26 min
